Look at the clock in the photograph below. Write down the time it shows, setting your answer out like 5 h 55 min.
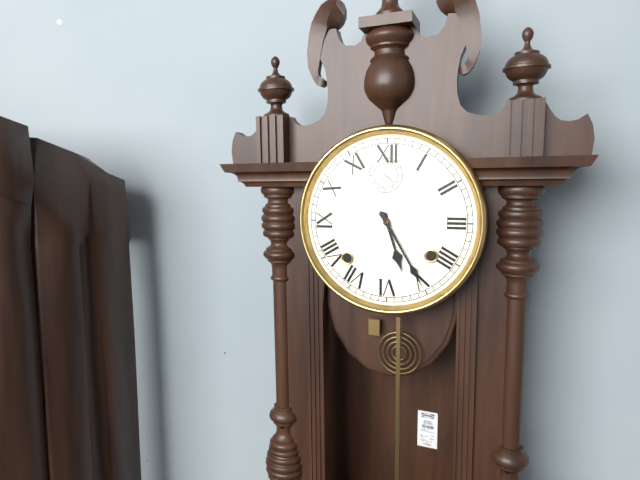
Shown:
5 h 25 min
